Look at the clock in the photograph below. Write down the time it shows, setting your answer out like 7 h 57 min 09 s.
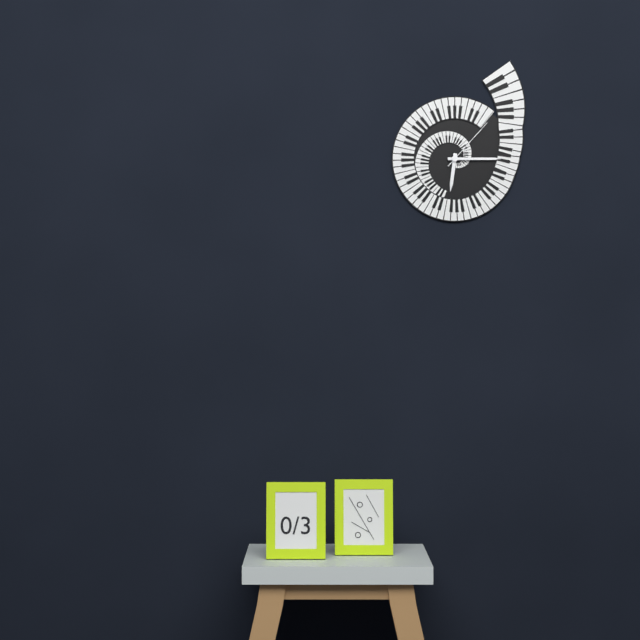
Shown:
6 h 15 min 07 s
